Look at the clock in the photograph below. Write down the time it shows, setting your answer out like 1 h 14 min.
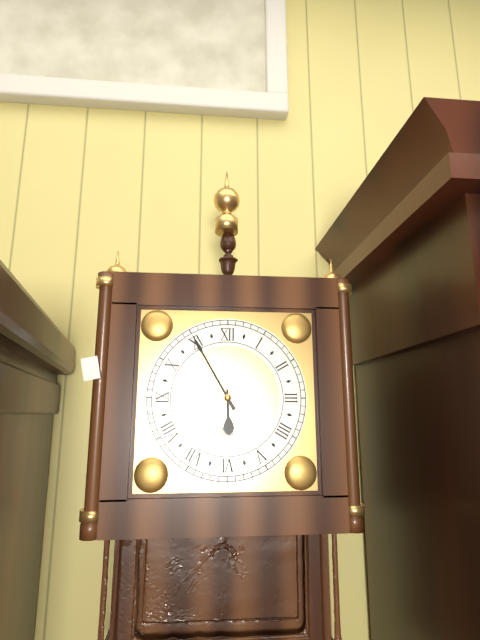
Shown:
5 h 55 min
